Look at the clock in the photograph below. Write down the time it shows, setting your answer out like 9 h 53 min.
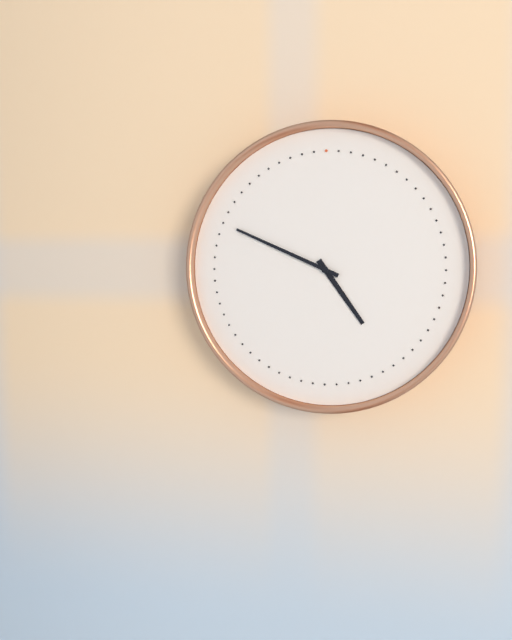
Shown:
4 h 49 min
